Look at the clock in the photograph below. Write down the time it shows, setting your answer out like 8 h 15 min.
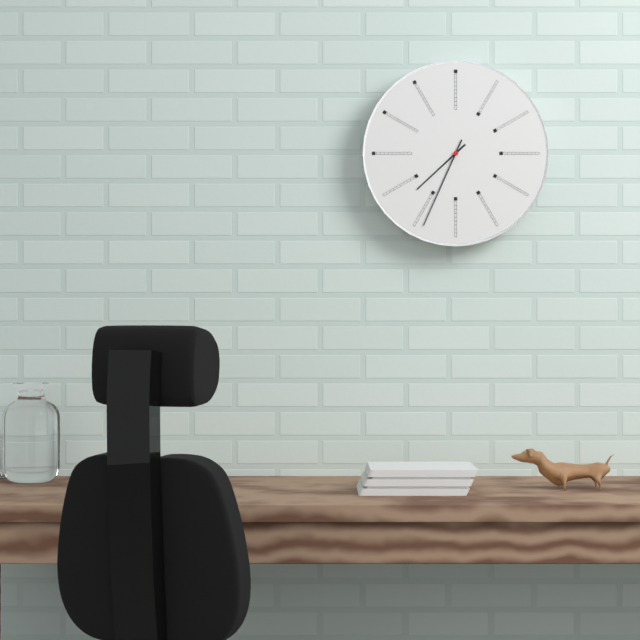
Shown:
7 h 34 min
